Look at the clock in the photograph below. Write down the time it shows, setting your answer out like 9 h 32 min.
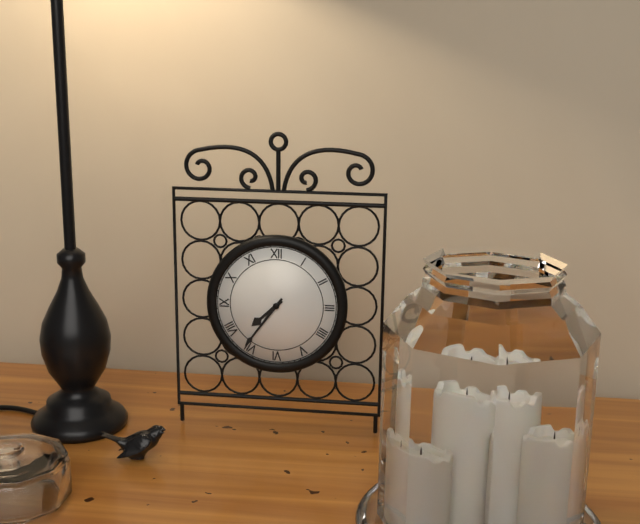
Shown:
7 h 36 min
